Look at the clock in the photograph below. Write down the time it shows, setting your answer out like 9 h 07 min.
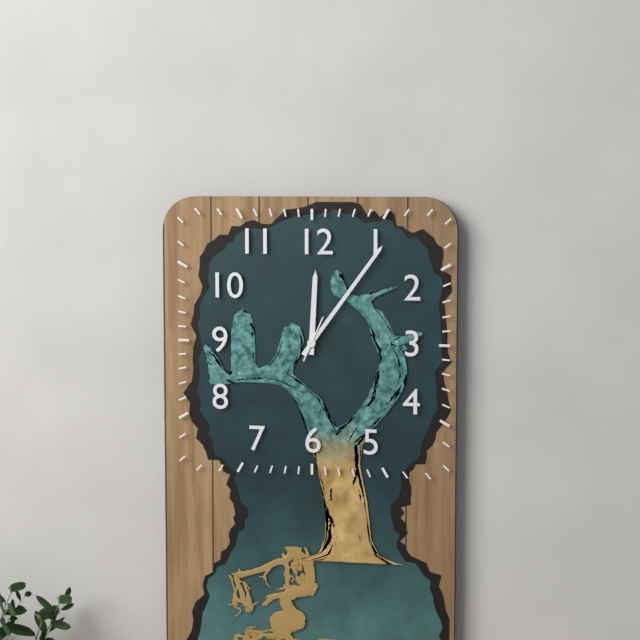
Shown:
12 h 06 min
